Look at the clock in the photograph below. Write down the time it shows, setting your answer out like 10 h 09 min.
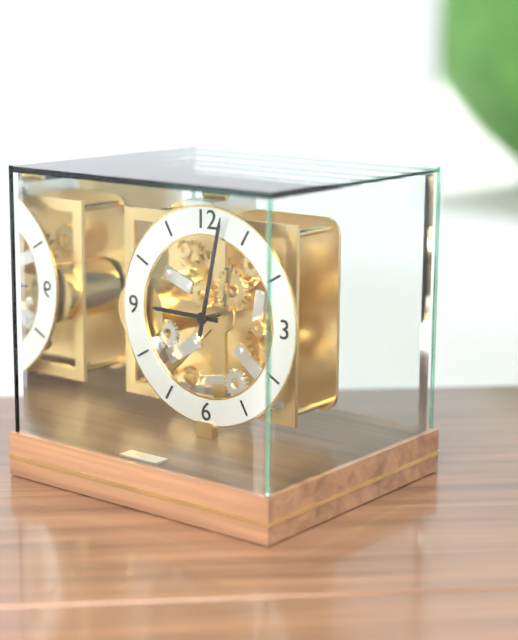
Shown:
9 h 02 min
